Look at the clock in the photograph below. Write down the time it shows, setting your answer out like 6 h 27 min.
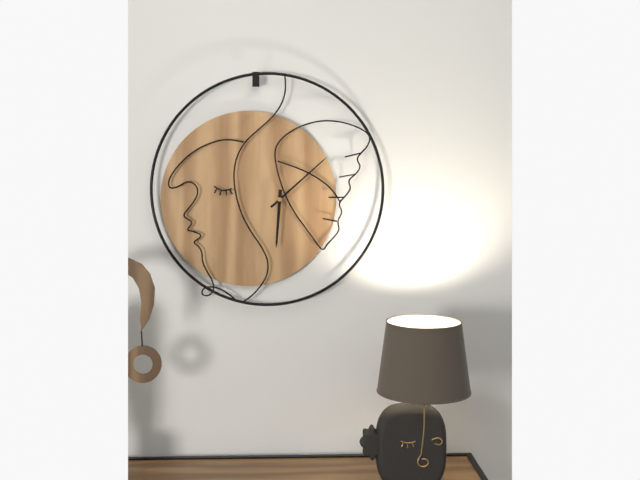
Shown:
6 h 08 min
